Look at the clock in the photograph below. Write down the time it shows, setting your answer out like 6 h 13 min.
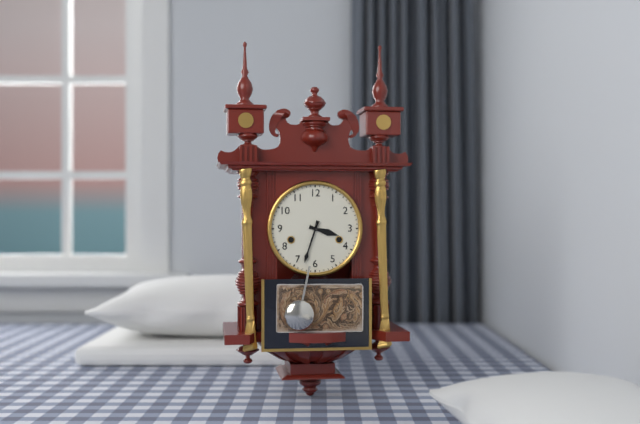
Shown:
3 h 33 min
